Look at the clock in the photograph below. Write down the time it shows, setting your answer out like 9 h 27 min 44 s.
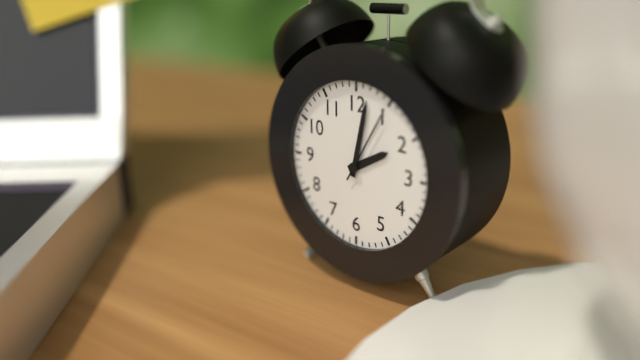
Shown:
2 h 02 min 05 s
